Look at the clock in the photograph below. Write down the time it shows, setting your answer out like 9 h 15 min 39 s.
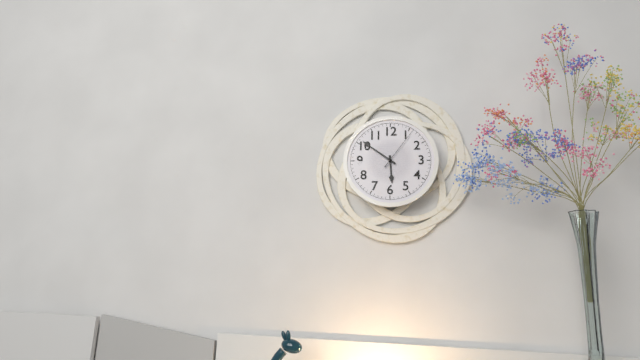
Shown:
5 h 51 min 06 s
